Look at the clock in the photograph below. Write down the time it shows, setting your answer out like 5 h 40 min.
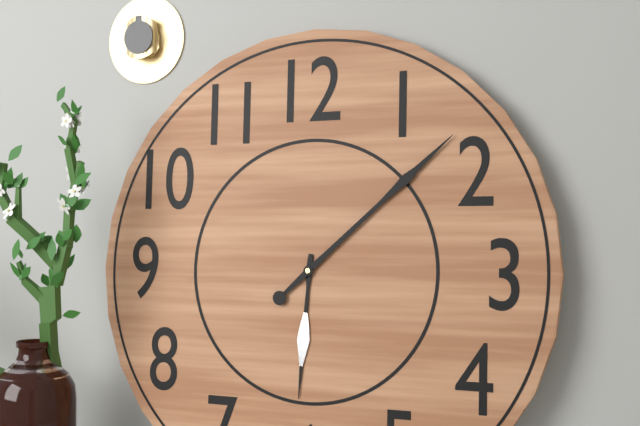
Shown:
6 h 08 min
